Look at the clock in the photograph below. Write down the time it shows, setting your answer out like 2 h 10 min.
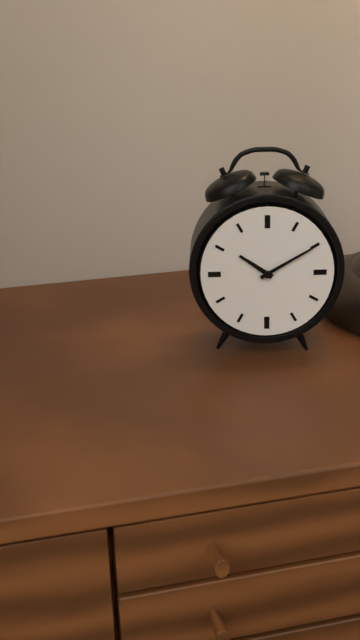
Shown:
10 h 10 min
